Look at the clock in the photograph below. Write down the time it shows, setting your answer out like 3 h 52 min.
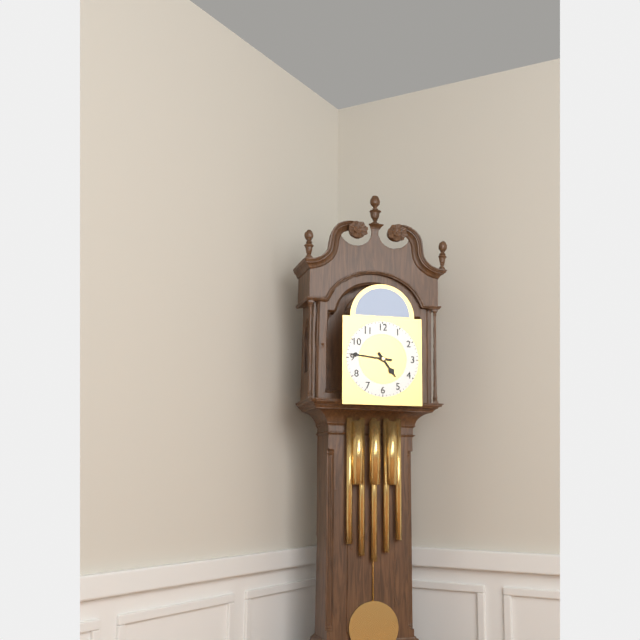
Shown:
4 h 46 min
